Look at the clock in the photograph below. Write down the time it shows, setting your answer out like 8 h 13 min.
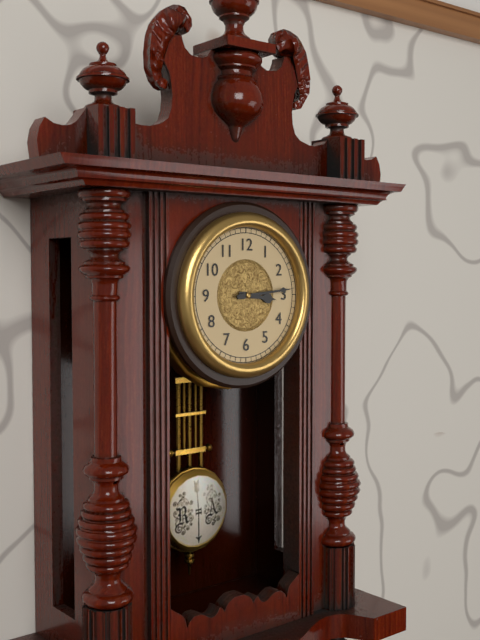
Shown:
3 h 14 min
